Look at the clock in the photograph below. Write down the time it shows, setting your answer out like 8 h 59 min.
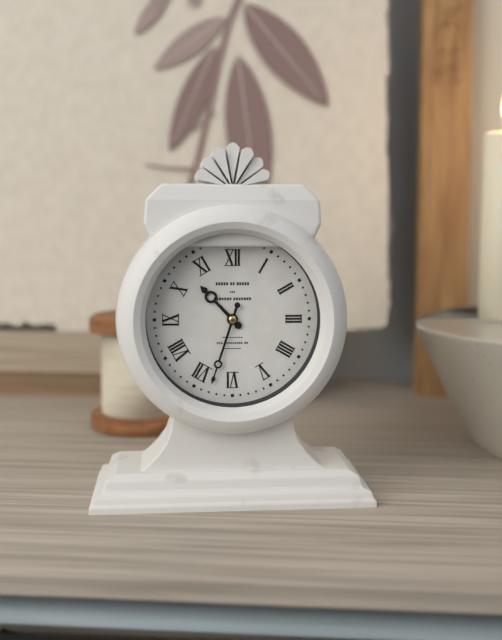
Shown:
10 h 33 min
